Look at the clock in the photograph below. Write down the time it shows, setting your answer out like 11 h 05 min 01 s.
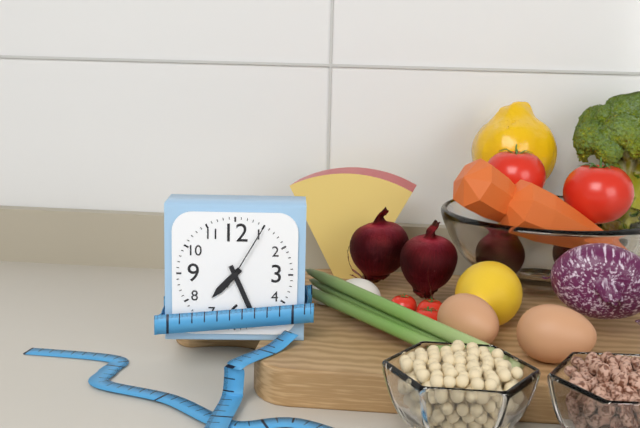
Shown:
7 h 26 min 05 s
